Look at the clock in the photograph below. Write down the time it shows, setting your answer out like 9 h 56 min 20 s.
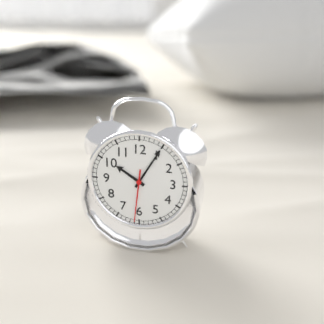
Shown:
10 h 05 min 31 s
